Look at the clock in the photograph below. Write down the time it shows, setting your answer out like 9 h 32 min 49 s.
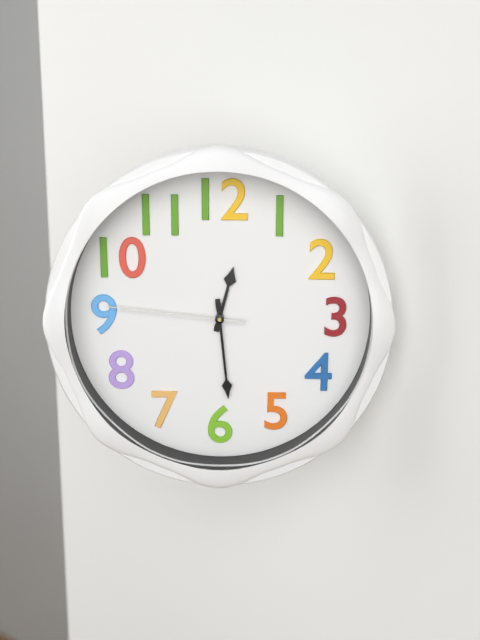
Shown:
12 h 29 min 46 s
